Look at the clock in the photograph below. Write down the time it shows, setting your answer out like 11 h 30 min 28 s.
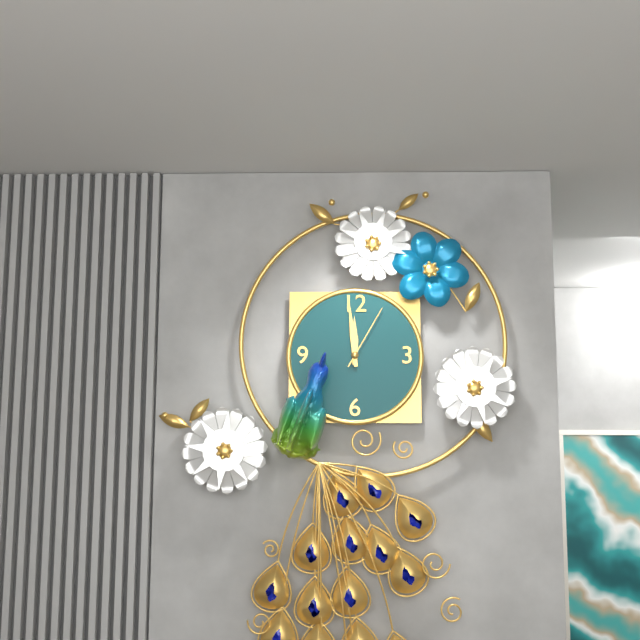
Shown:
11 h 59 min 05 s
